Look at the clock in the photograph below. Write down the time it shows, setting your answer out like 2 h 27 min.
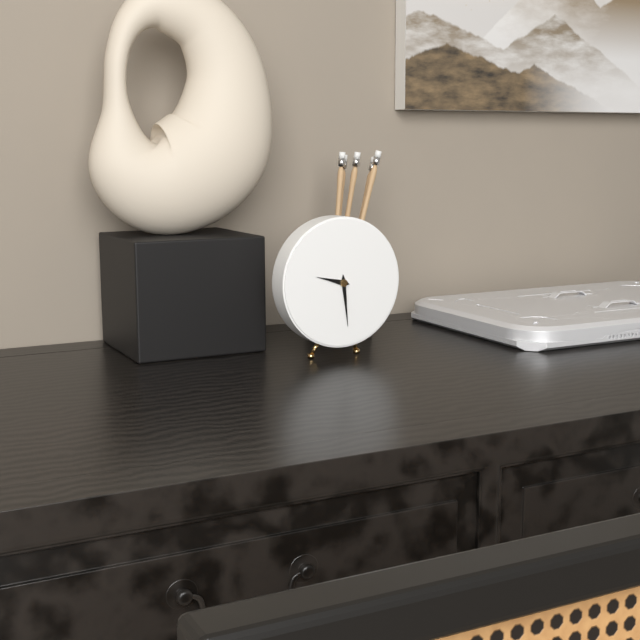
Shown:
9 h 29 min
